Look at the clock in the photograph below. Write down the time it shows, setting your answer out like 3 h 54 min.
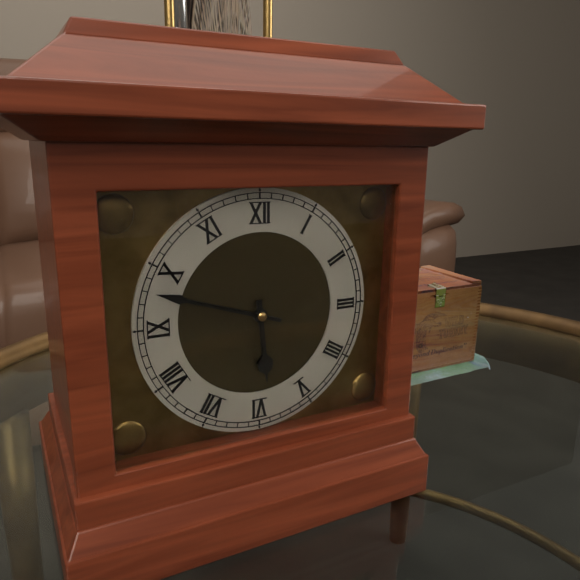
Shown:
5 h 48 min
